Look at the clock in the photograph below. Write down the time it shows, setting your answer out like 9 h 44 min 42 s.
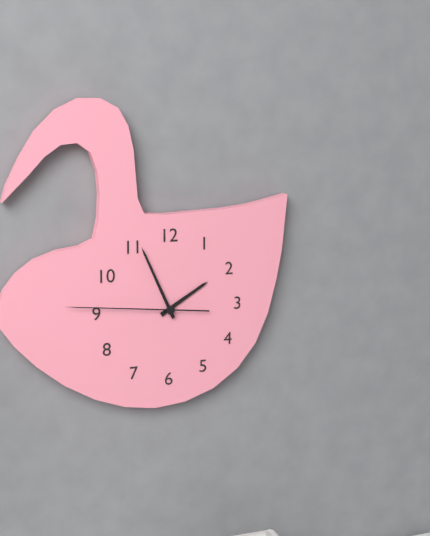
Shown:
1 h 56 min 46 s
